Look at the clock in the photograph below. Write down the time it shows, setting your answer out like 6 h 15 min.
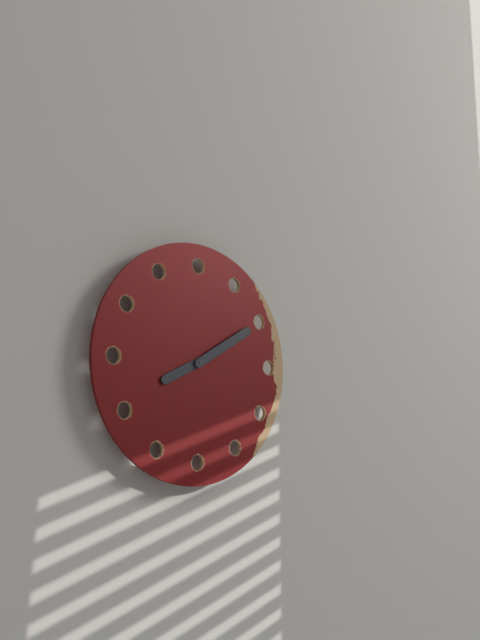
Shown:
8 h 10 min
